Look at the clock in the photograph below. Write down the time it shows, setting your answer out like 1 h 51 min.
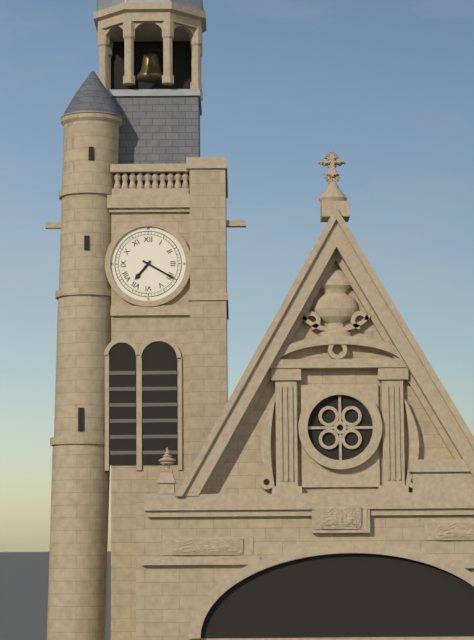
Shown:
7 h 20 min
